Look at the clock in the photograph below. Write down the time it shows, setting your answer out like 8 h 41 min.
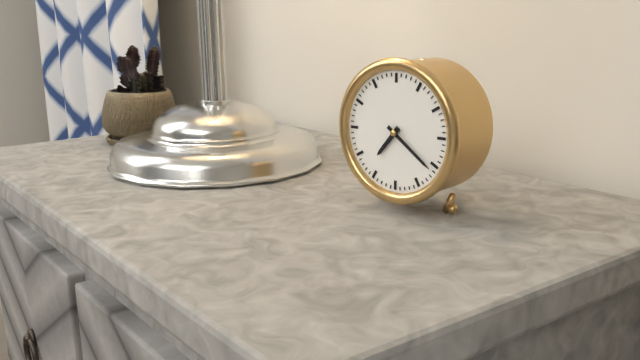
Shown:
7 h 21 min
